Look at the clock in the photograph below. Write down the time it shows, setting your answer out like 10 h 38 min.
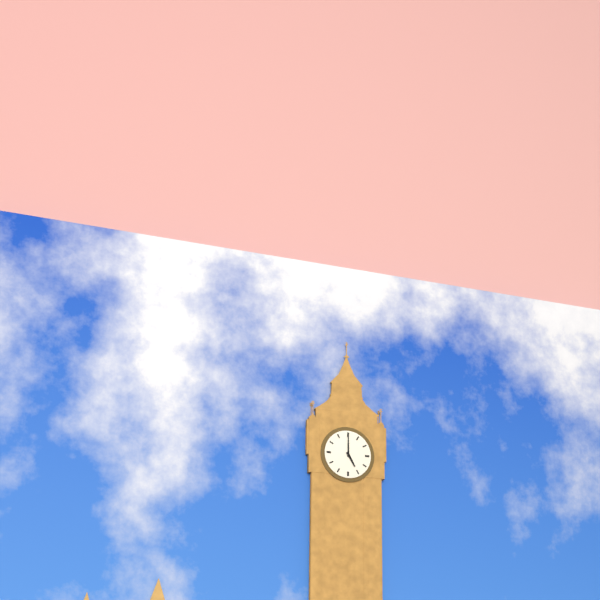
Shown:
5 h 00 min
